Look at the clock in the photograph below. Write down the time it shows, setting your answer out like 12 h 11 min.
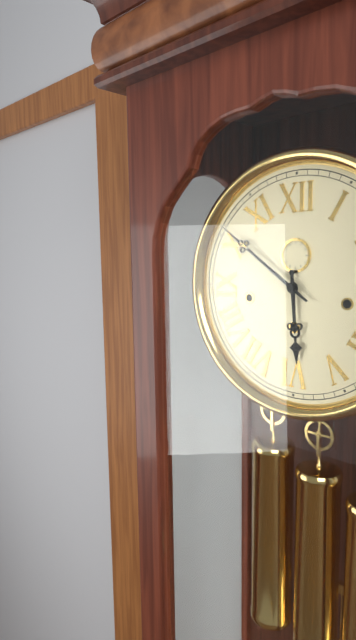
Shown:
5 h 51 min
